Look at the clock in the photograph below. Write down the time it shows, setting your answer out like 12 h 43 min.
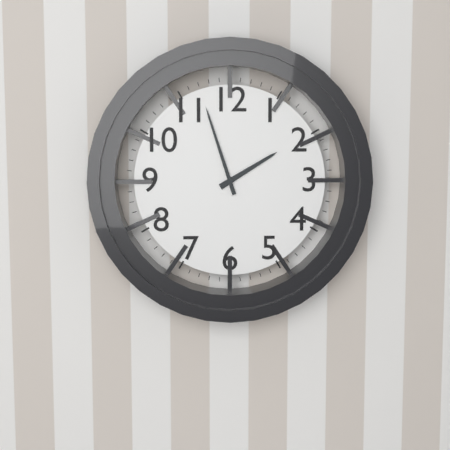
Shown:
1 h 57 min
